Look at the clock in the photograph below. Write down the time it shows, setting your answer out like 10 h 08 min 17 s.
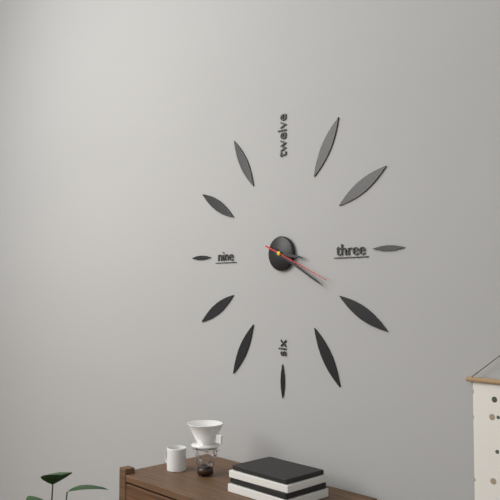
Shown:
3 h 20 min 19 s
